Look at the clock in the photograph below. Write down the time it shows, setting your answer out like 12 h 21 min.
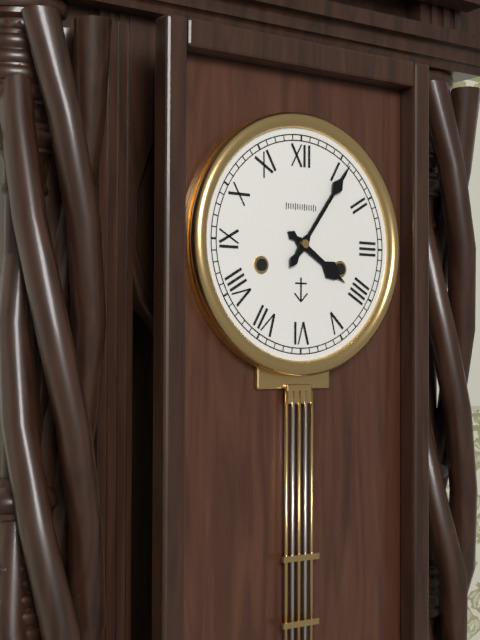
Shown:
4 h 06 min
